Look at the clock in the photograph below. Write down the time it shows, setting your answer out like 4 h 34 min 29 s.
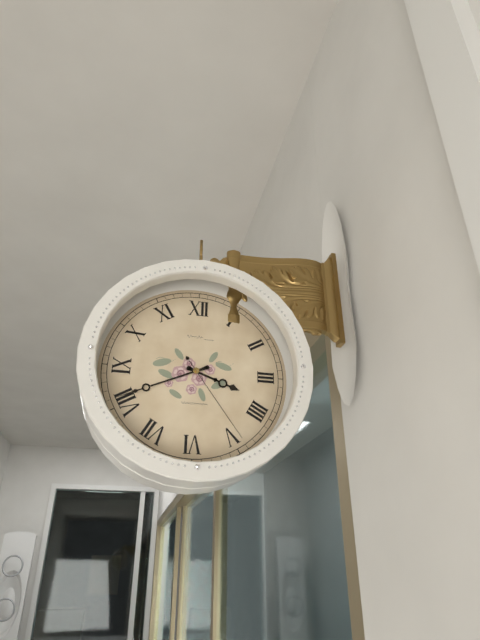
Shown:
3 h 41 min 24 s
